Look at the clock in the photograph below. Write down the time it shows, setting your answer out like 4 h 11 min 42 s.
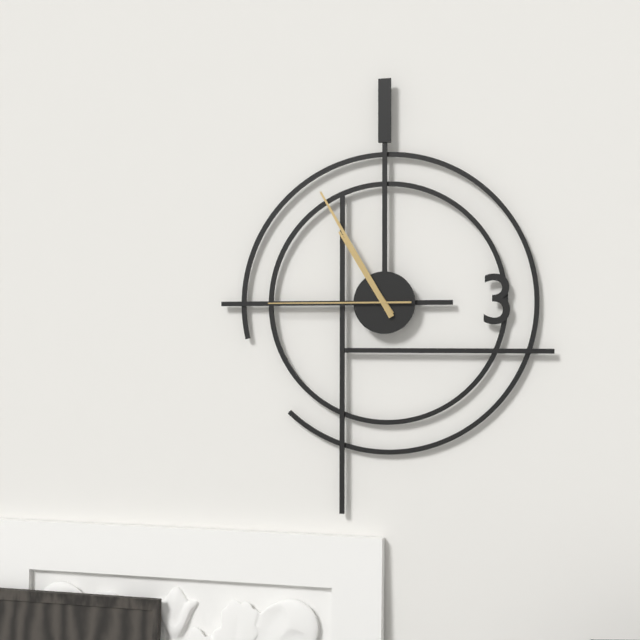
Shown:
10 h 55 min 45 s
